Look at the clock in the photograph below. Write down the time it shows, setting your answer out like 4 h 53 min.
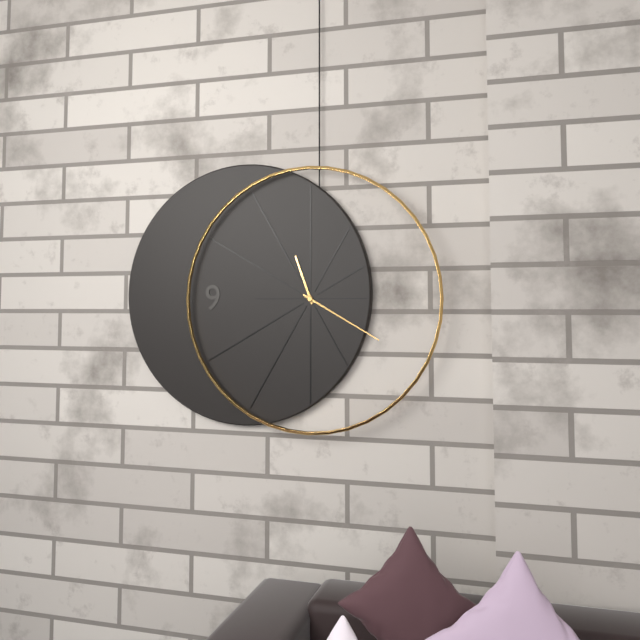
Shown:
11 h 20 min
